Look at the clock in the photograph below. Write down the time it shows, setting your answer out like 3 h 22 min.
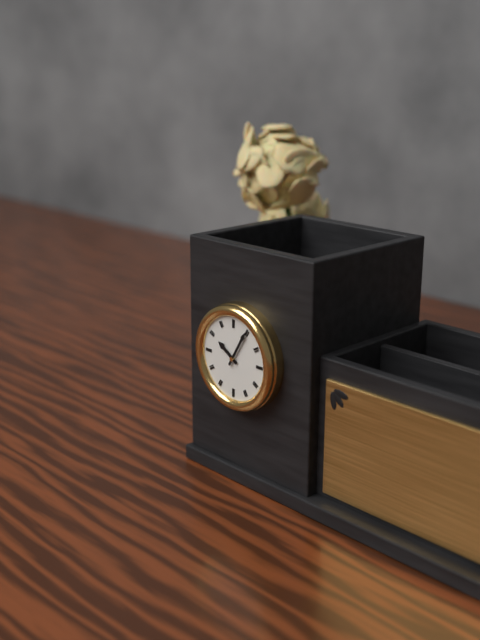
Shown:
10 h 05 min
